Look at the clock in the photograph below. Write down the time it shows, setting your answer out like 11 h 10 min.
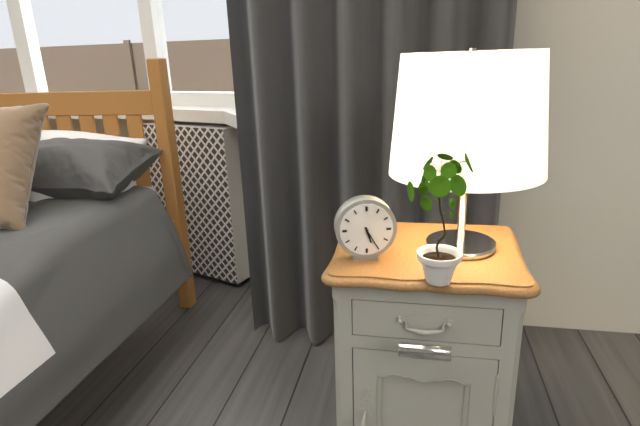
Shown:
5 h 25 min
